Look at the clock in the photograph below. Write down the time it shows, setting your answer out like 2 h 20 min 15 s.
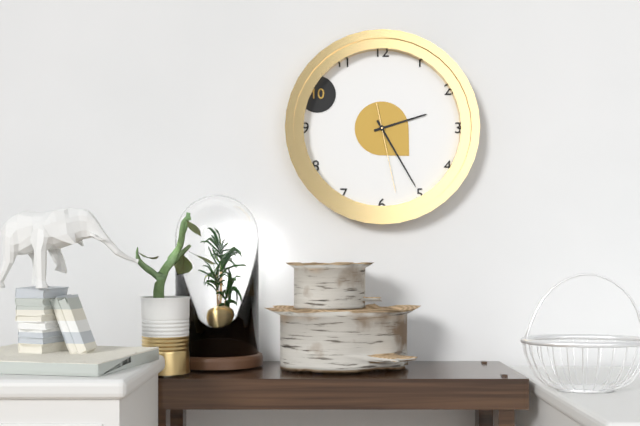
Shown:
2 h 25 min 28 s
